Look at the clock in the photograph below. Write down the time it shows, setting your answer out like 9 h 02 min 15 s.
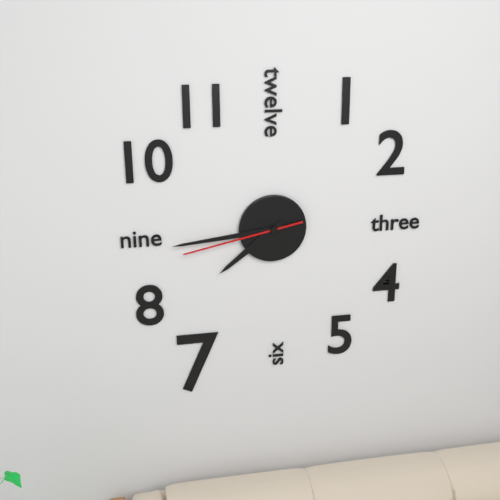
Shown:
7 h 44 min 43 s
